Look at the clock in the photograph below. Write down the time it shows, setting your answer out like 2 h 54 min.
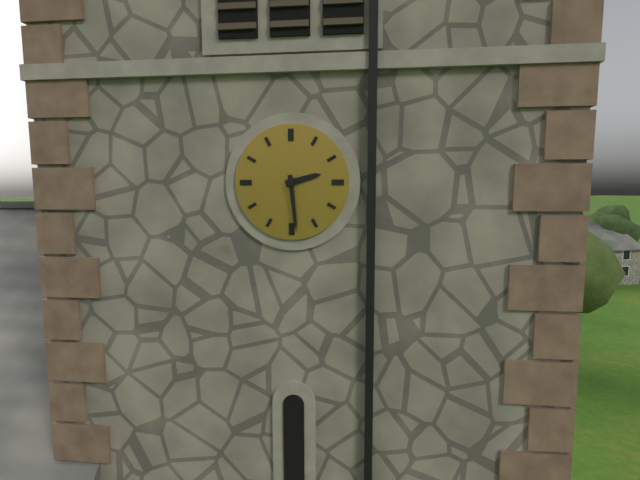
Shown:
2 h 29 min
